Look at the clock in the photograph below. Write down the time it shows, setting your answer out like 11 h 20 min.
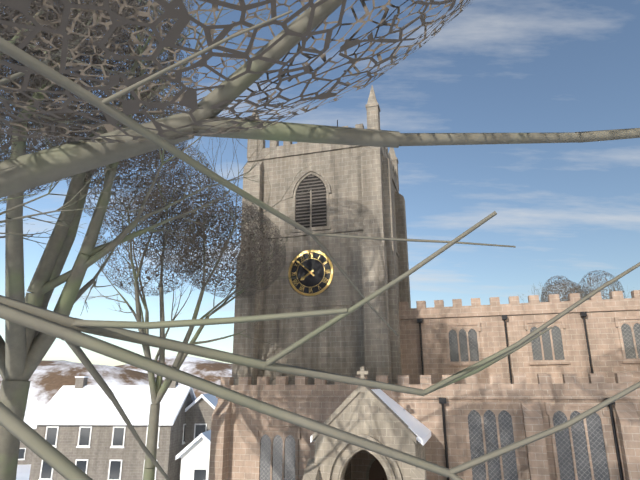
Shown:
7 h 52 min
